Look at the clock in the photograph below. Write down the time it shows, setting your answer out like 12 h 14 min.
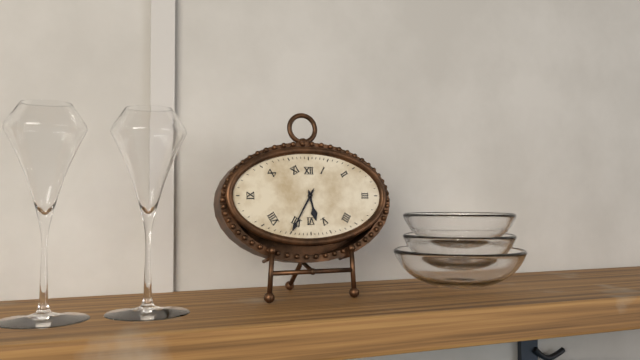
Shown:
5 h 35 min
